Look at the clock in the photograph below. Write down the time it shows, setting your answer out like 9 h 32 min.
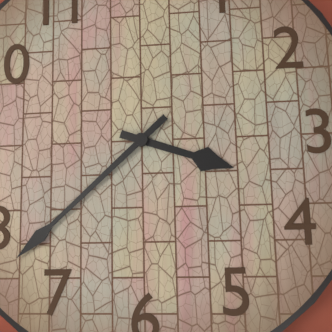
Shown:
3 h 38 min
